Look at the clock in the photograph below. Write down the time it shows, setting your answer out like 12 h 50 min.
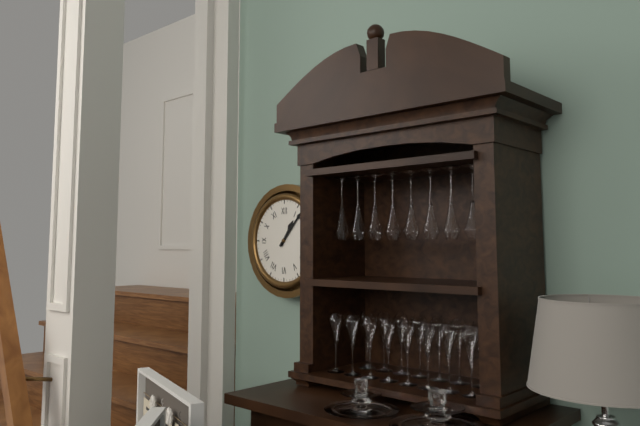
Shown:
1 h 07 min
